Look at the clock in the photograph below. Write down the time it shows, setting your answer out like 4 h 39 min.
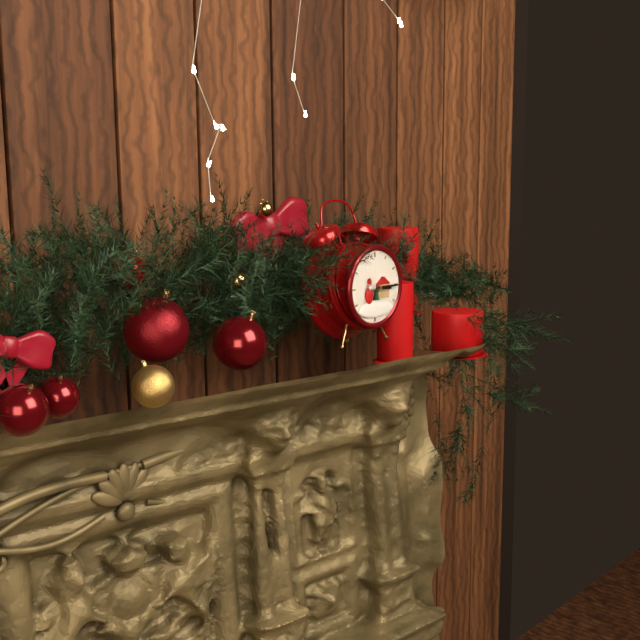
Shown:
3 h 15 min
